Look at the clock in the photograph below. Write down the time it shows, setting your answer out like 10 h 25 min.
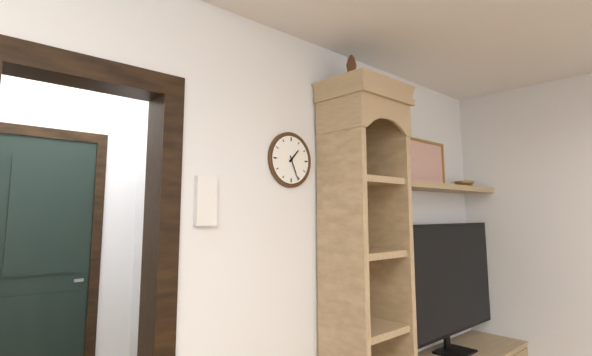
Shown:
1 h 26 min
